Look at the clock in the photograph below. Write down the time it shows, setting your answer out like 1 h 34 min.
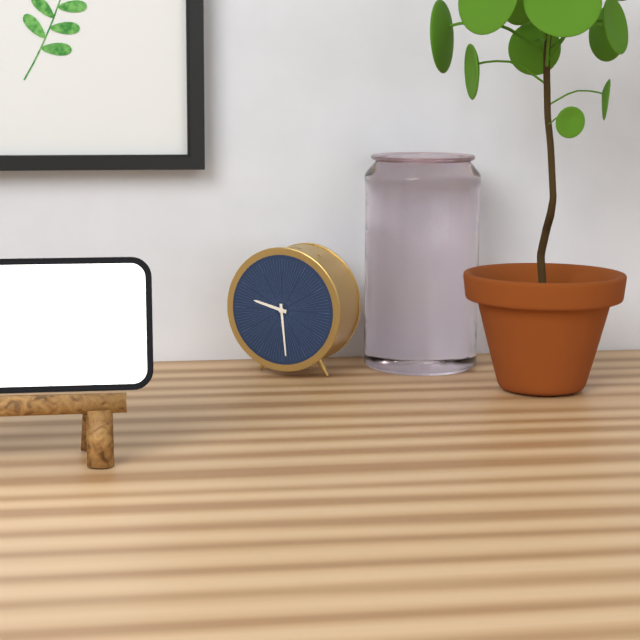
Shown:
9 h 29 min
